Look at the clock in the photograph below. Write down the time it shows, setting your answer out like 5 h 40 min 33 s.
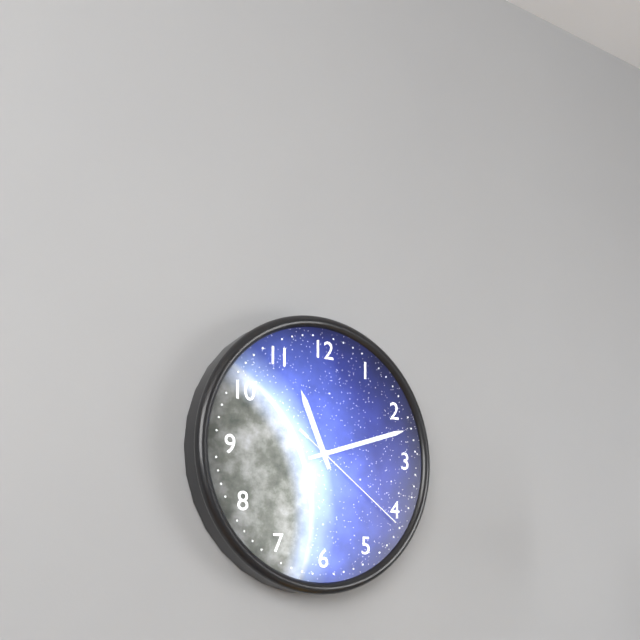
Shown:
11 h 12 min 21 s
